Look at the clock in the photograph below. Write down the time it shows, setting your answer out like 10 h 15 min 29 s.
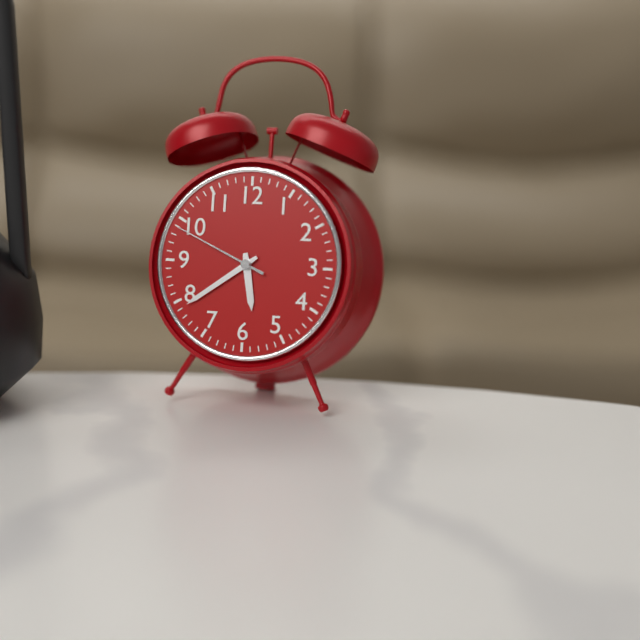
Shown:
5 h 39 min 49 s
